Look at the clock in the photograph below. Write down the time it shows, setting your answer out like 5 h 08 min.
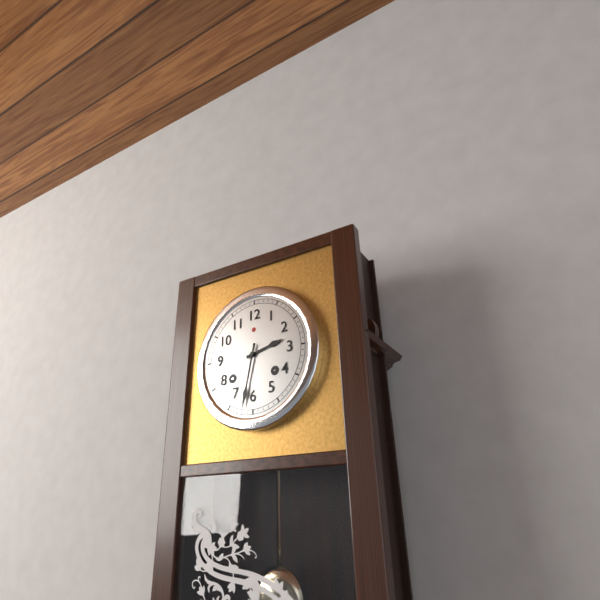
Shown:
2 h 32 min
